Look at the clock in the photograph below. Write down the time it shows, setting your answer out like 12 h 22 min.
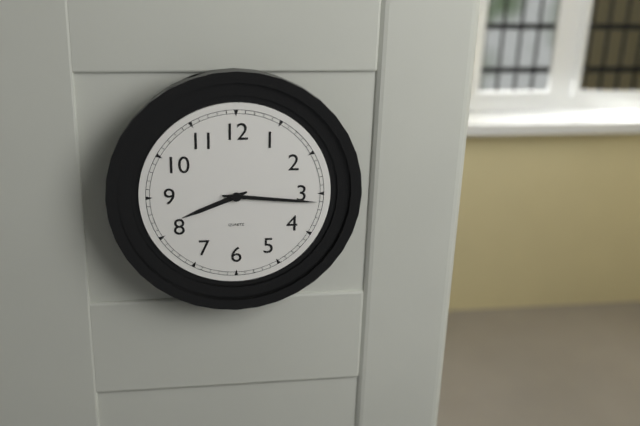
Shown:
8 h 16 min
